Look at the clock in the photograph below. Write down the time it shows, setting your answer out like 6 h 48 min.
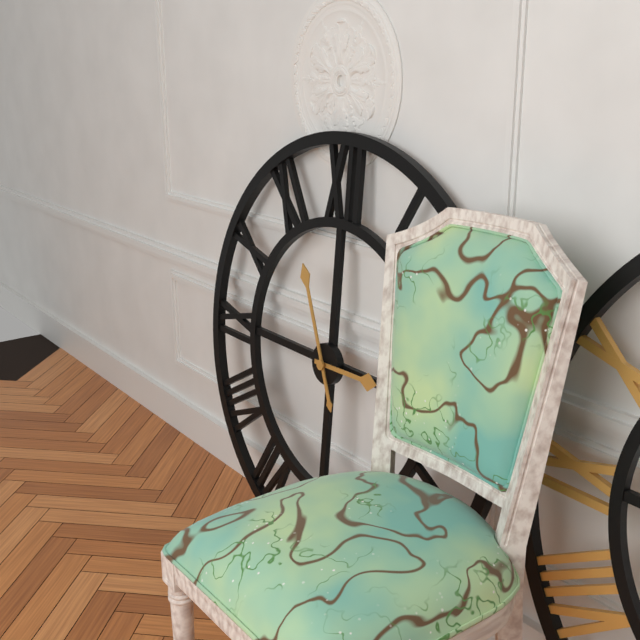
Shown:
2 h 56 min
